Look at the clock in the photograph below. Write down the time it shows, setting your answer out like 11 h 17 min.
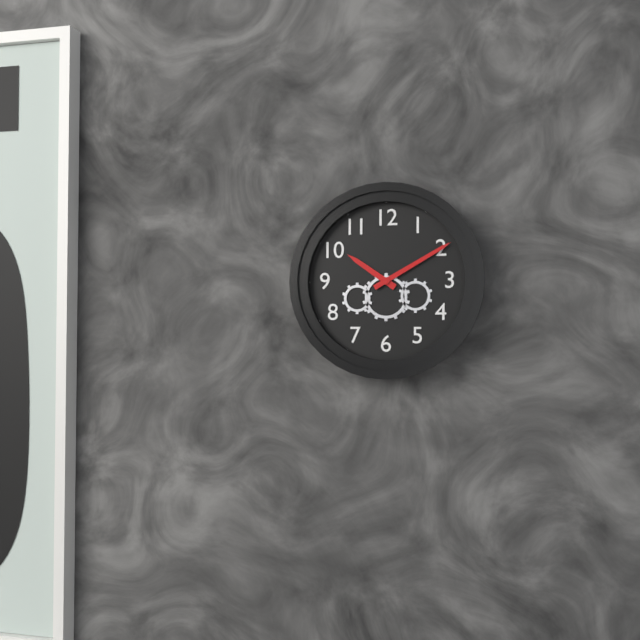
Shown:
10 h 10 min
